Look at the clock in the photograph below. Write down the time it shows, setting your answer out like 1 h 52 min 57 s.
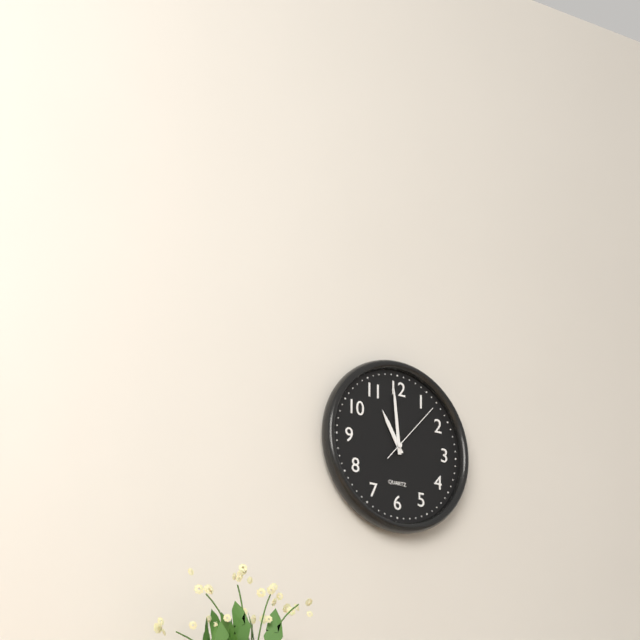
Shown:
10 h 59 min 07 s
